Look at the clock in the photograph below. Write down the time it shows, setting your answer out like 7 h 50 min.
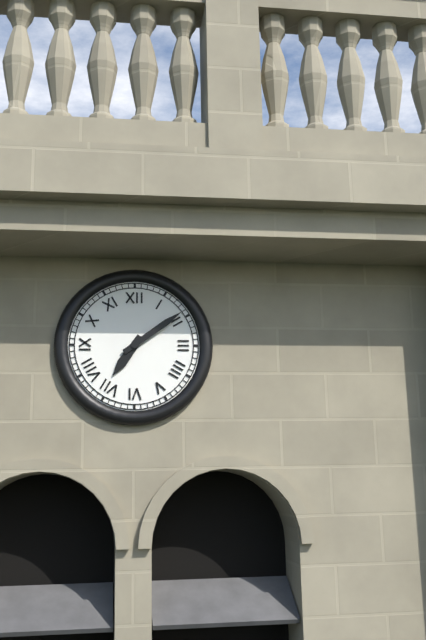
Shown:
7 h 09 min
